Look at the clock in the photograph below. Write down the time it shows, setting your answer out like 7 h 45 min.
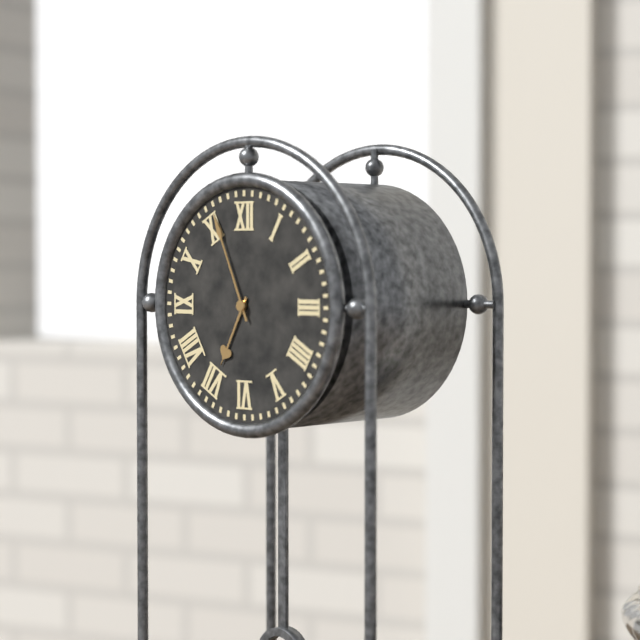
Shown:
6 h 56 min
